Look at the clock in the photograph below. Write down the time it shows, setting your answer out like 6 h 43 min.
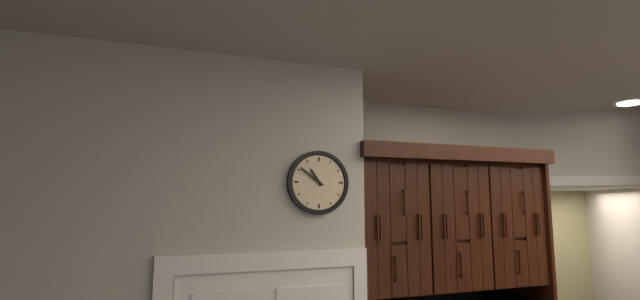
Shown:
10 h 51 min
